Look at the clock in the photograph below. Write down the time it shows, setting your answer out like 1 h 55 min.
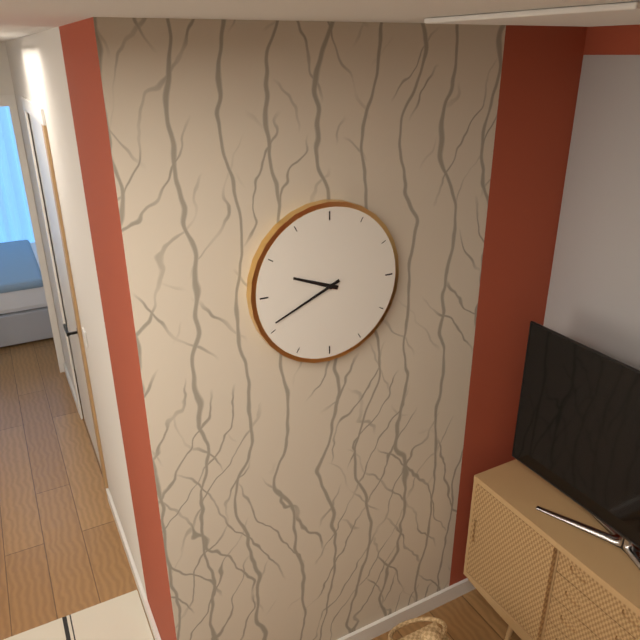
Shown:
9 h 41 min
